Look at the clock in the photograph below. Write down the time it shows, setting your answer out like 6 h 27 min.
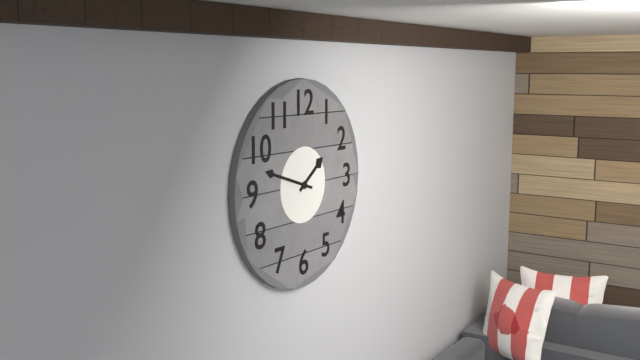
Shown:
1 h 48 min
